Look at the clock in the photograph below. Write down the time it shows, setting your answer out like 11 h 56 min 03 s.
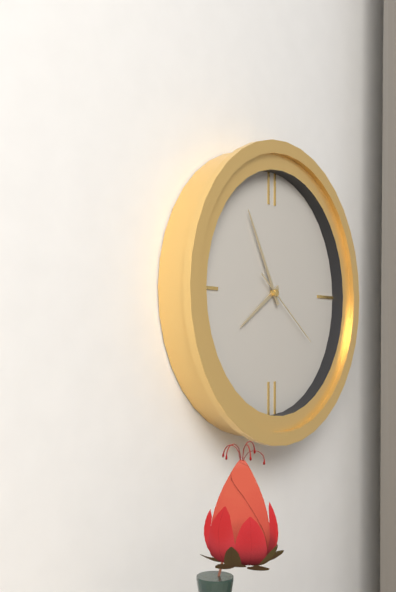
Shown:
7 h 55 min 21 s
